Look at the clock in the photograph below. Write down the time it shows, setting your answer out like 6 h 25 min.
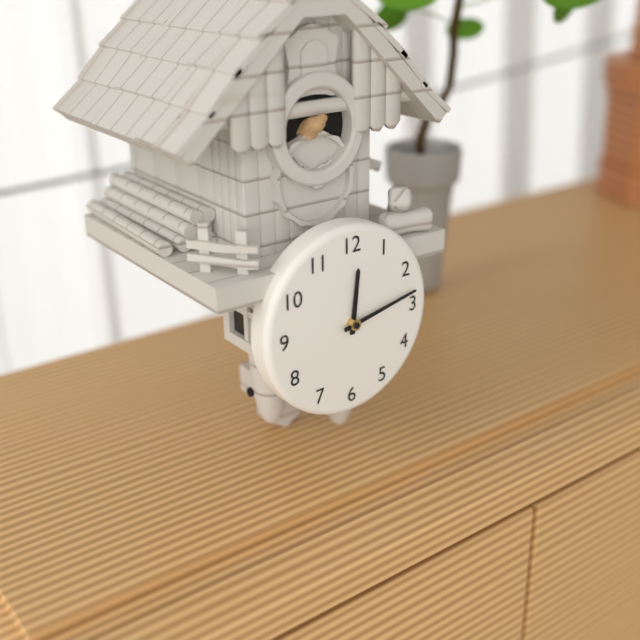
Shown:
12 h 13 min
